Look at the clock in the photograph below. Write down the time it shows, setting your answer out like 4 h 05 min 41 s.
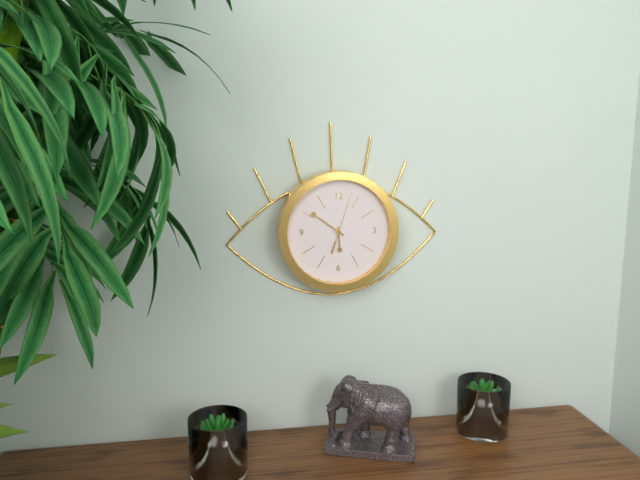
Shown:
5 h 51 min 03 s
